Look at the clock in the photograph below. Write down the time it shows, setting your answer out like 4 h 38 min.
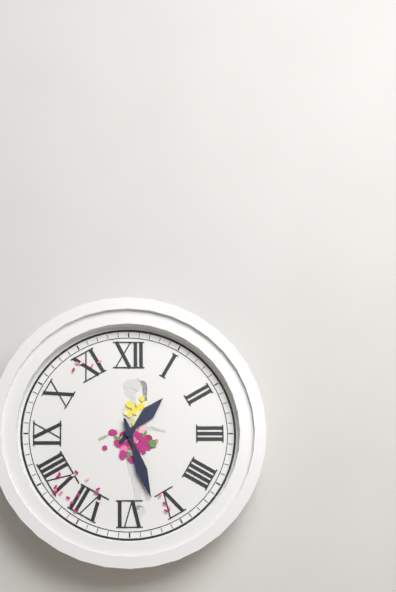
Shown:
1 h 27 min
